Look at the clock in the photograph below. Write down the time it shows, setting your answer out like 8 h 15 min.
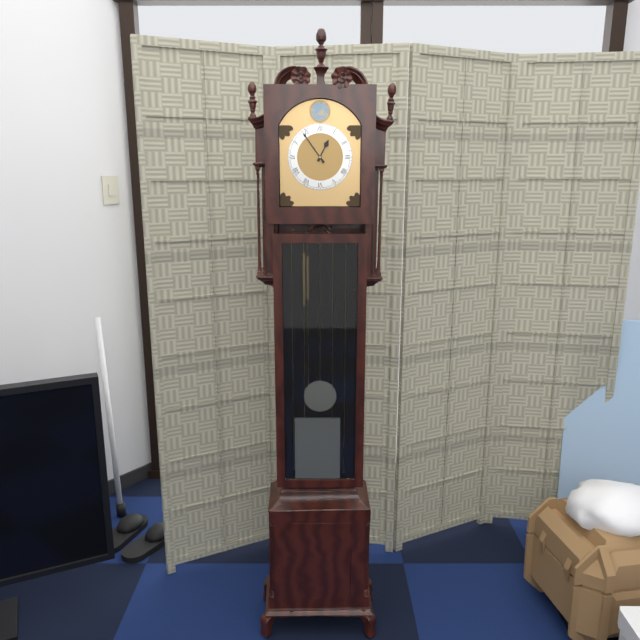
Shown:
12 h 54 min
